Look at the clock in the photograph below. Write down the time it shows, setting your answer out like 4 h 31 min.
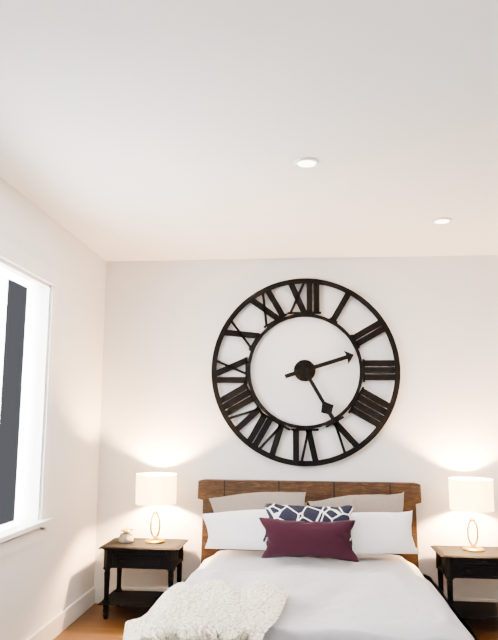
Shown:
2 h 25 min
